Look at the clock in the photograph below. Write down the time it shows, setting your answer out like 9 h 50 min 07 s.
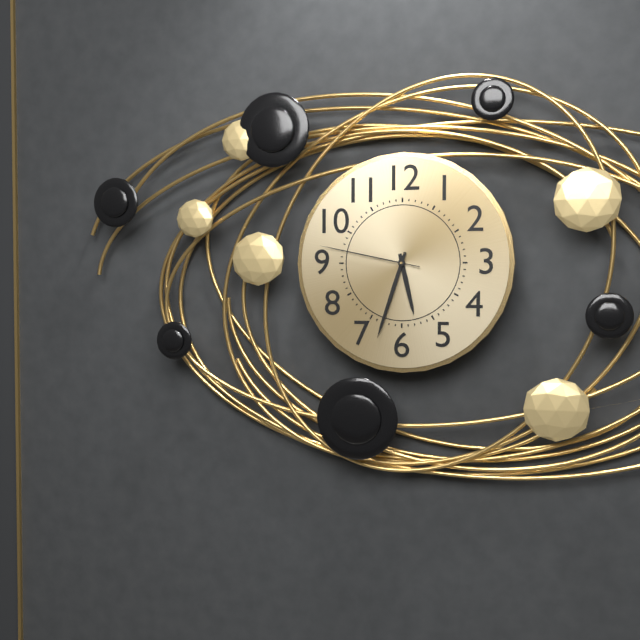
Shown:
5 h 33 min 47 s
